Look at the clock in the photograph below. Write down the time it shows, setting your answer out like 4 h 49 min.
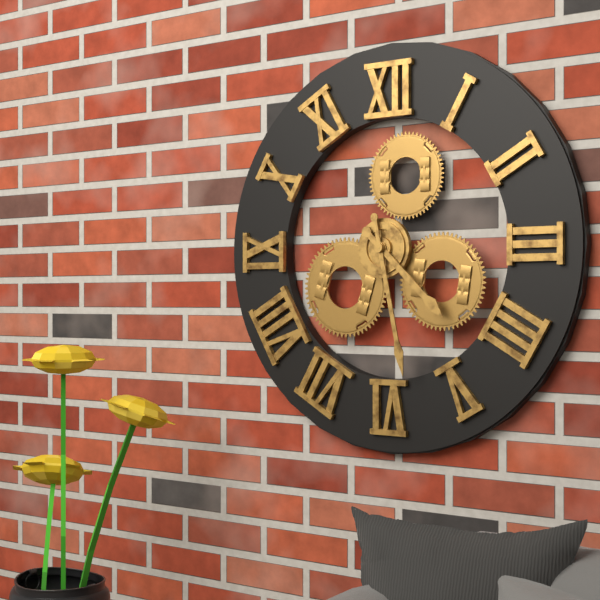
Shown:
4 h 28 min
